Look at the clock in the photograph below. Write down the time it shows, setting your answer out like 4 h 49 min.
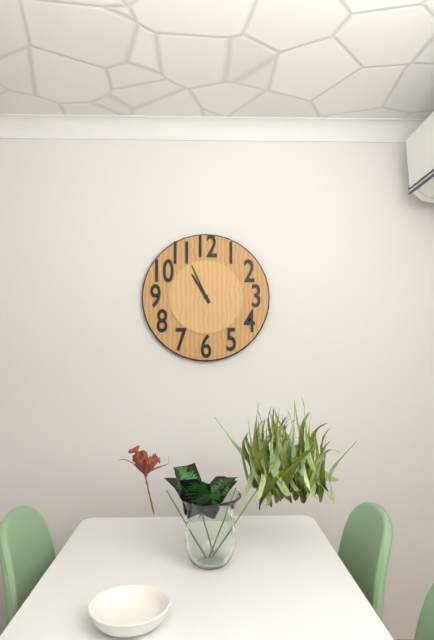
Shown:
10 h 56 min
